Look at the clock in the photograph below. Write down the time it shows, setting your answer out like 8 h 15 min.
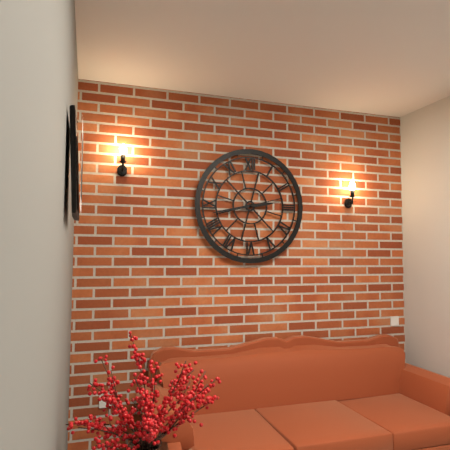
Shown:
2 h 43 min
